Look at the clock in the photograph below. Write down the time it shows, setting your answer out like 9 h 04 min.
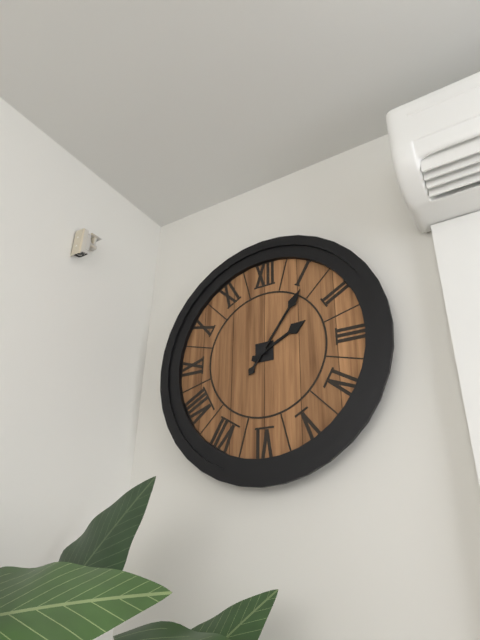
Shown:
2 h 06 min
